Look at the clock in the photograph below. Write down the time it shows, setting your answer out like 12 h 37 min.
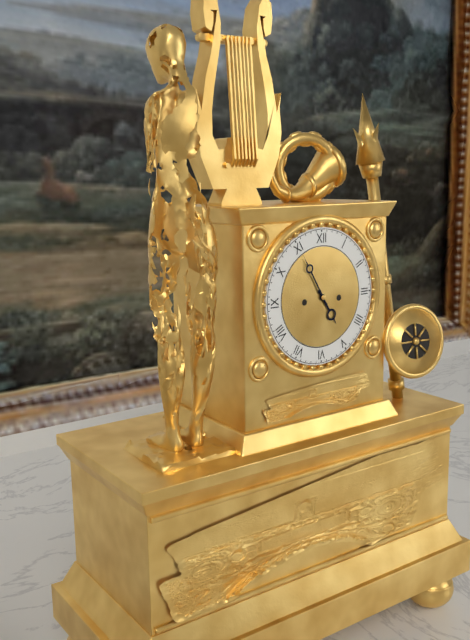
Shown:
4 h 55 min
